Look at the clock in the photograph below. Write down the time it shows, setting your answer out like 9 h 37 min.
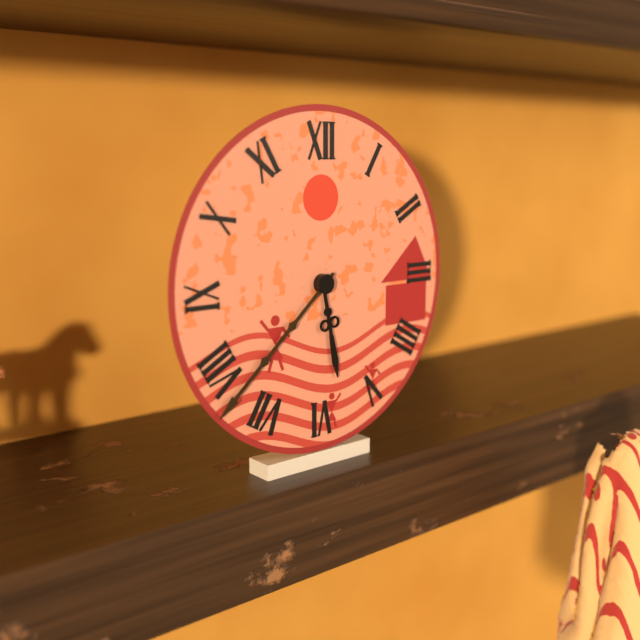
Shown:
5 h 38 min
